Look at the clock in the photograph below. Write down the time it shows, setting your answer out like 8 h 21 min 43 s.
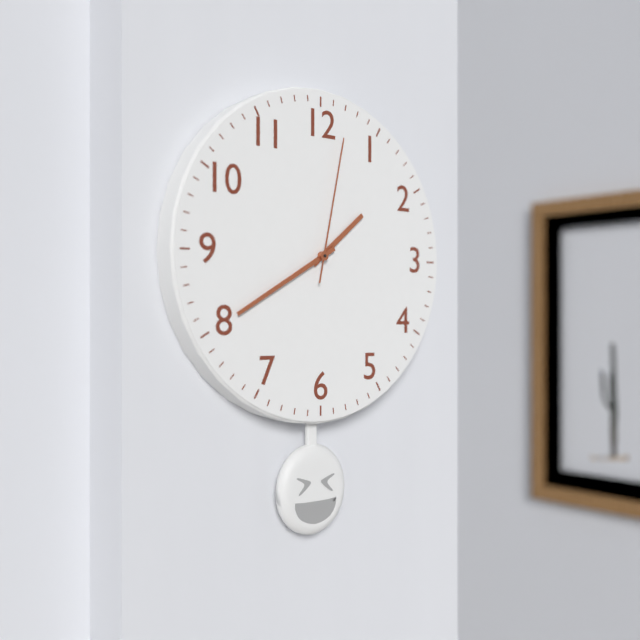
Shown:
1 h 40 min 02 s
